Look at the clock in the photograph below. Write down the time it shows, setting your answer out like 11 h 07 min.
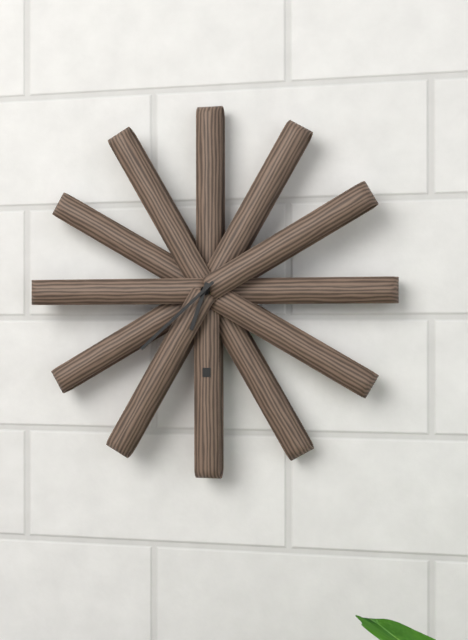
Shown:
6 h 38 min
